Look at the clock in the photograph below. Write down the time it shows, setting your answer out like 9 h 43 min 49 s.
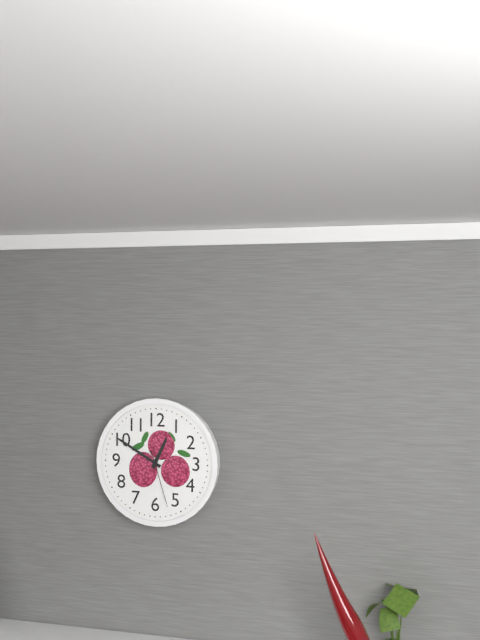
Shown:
12 h 50 min 27 s
